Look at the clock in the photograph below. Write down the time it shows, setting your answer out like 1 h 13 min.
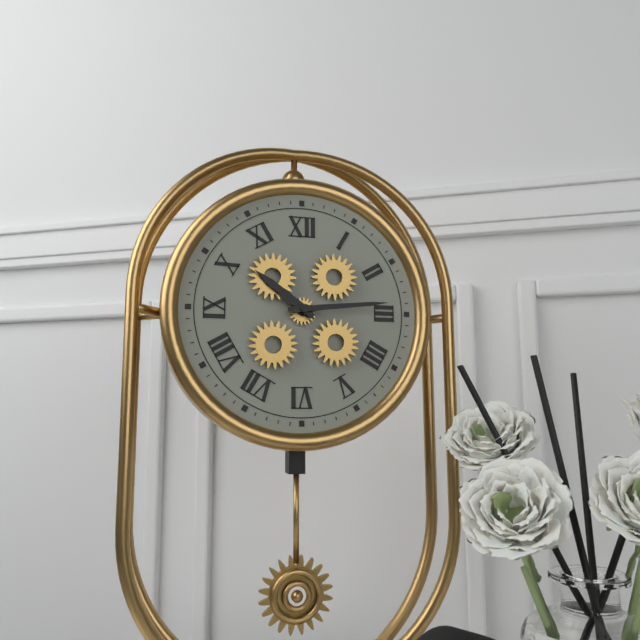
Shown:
10 h 14 min
